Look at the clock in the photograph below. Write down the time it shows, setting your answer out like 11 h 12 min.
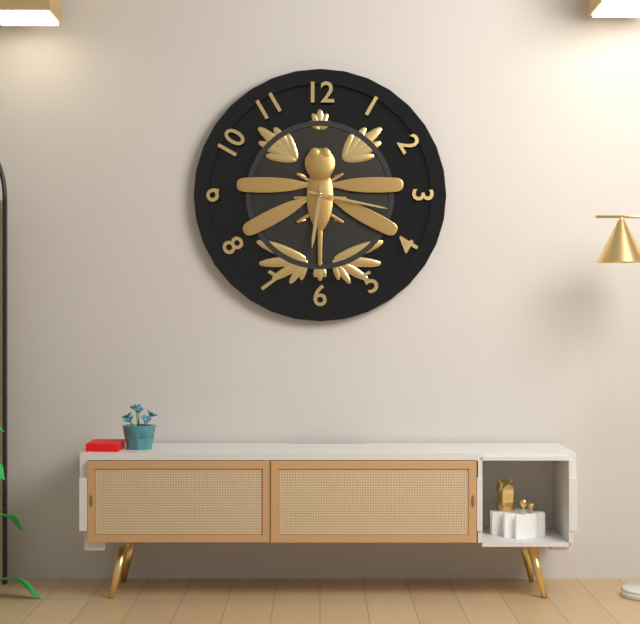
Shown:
6 h 17 min
